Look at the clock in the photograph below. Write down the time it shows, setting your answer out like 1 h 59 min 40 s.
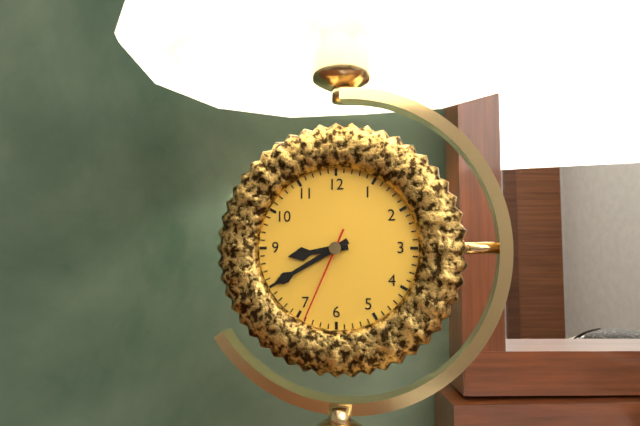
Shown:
8 h 40 min 34 s
